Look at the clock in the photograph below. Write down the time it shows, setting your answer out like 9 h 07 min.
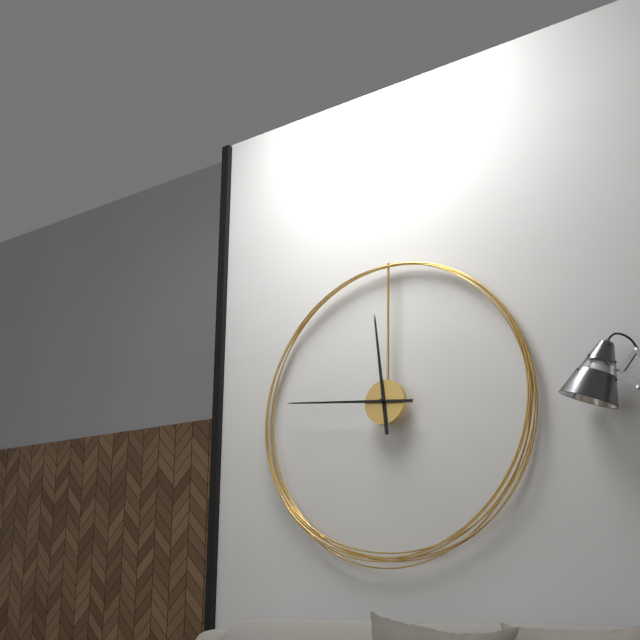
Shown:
11 h 46 min
